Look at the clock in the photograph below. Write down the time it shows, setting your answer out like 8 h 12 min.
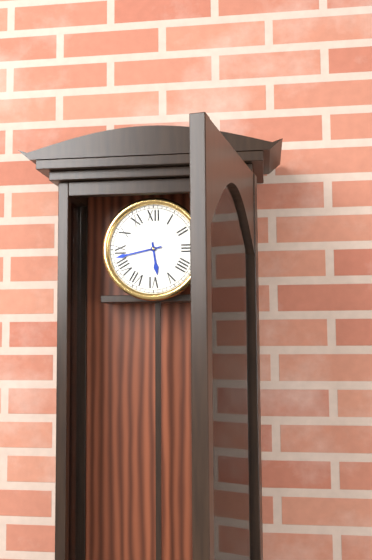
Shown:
5 h 43 min
